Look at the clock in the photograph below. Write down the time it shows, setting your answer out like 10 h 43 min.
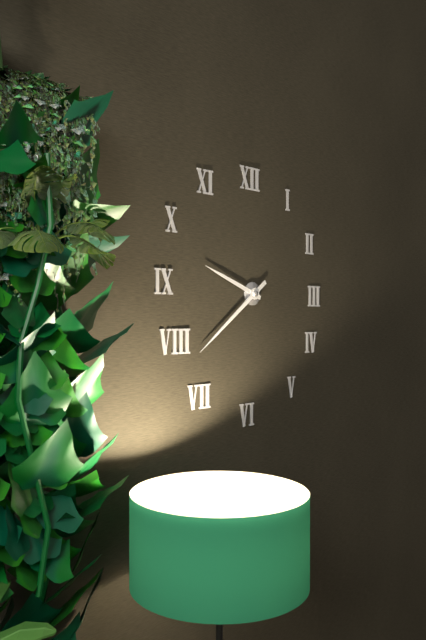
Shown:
9 h 39 min
